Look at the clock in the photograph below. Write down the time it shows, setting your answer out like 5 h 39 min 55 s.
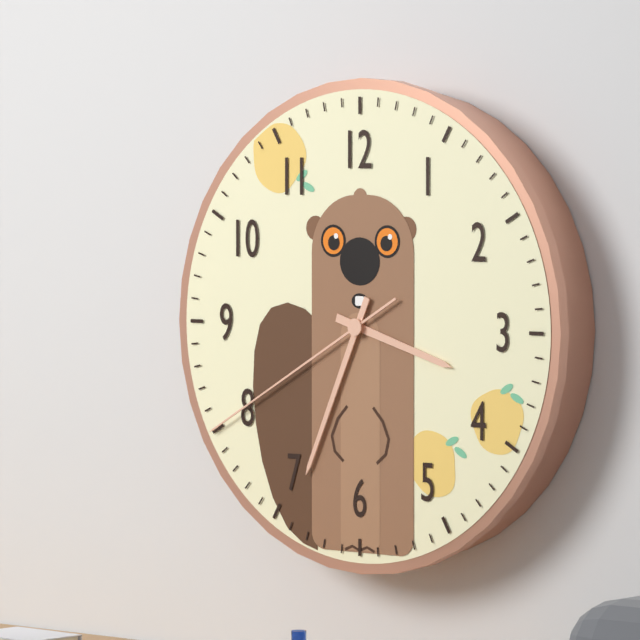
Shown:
3 h 34 min 40 s
